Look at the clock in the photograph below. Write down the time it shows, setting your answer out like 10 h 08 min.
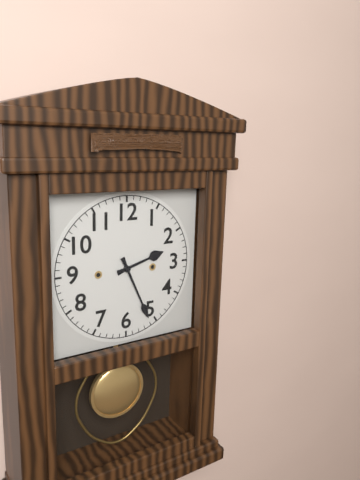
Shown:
2 h 26 min
